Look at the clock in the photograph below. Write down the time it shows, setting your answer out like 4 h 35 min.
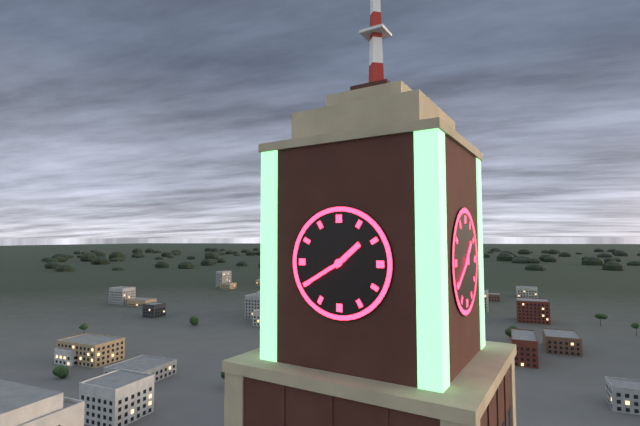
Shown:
1 h 40 min
